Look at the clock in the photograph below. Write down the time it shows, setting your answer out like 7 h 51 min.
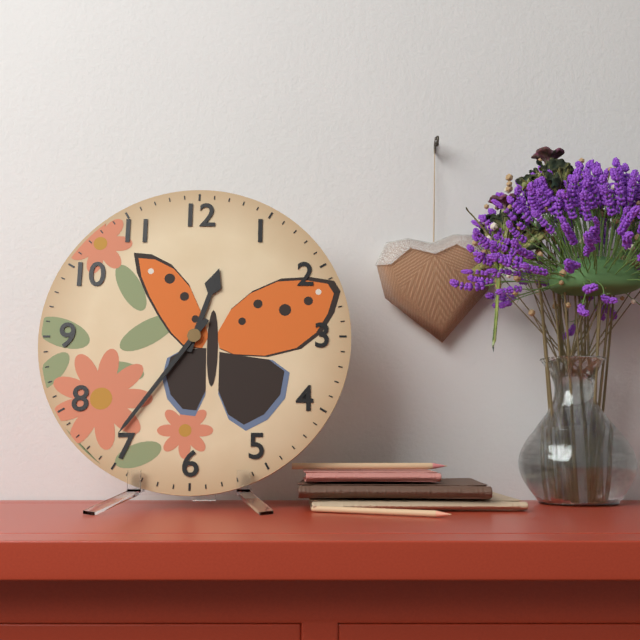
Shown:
12 h 36 min
